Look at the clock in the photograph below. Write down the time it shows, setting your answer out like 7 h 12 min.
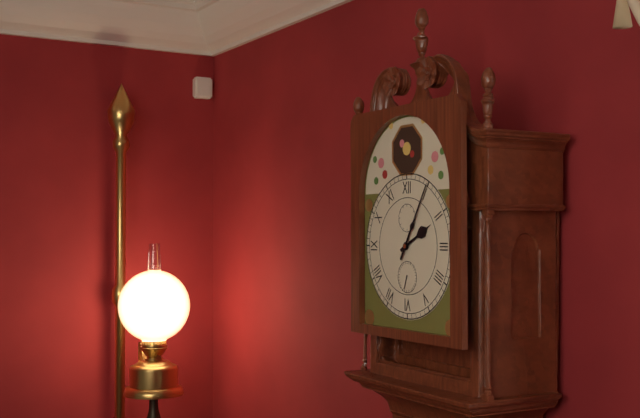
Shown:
2 h 05 min
